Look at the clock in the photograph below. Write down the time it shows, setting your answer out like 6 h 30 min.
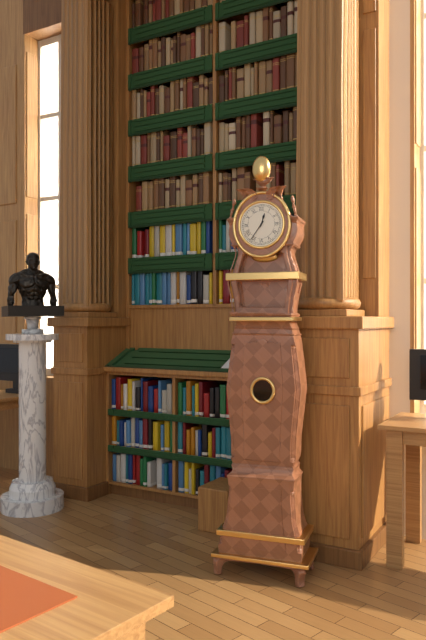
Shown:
12 h 36 min
